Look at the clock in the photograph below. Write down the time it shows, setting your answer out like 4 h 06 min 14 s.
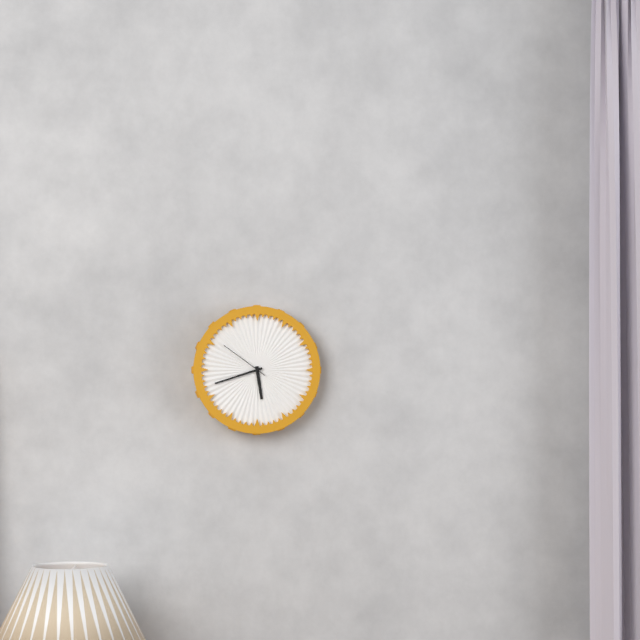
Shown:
5 h 42 min 51 s
